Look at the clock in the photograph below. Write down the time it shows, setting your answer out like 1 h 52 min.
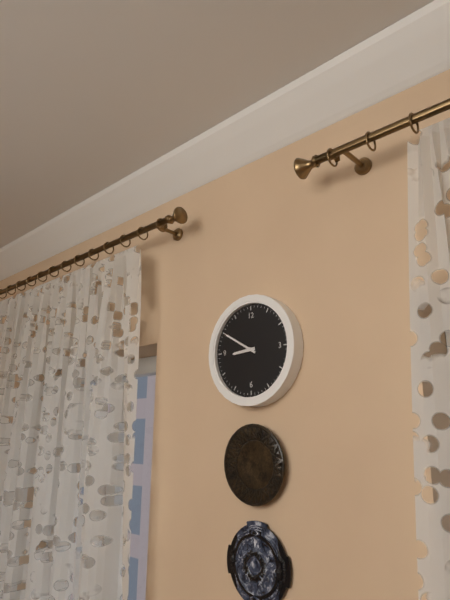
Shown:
8 h 50 min
